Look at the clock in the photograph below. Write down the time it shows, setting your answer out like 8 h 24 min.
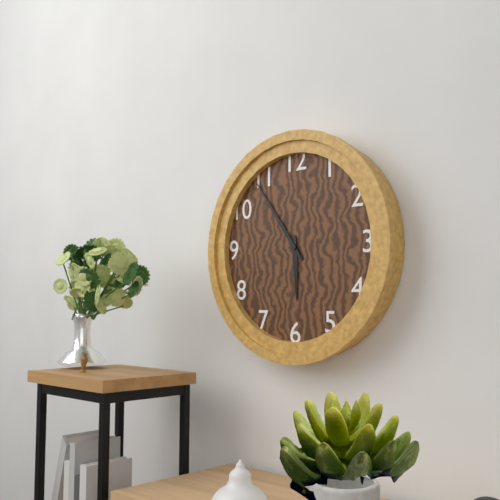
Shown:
5 h 54 min
